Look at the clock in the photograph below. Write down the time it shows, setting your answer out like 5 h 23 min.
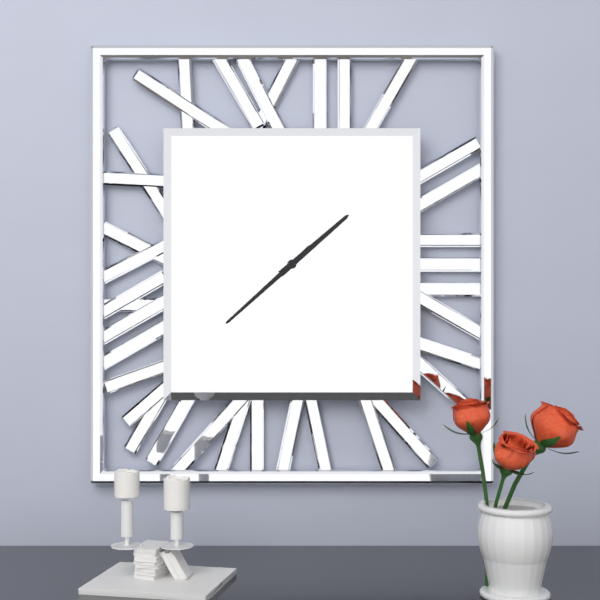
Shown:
1 h 38 min
